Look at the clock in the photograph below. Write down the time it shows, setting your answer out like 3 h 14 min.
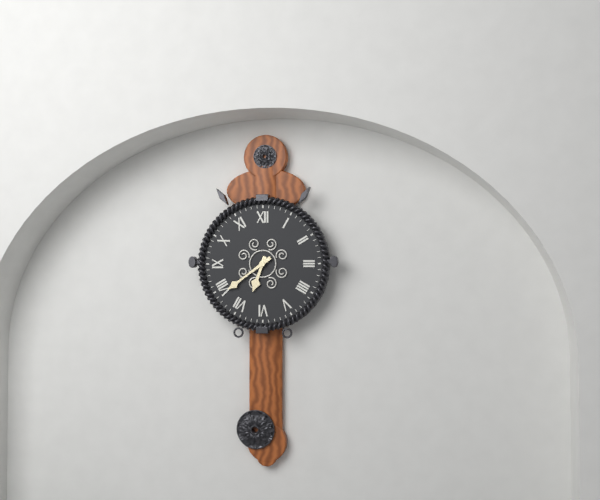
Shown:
6 h 39 min
